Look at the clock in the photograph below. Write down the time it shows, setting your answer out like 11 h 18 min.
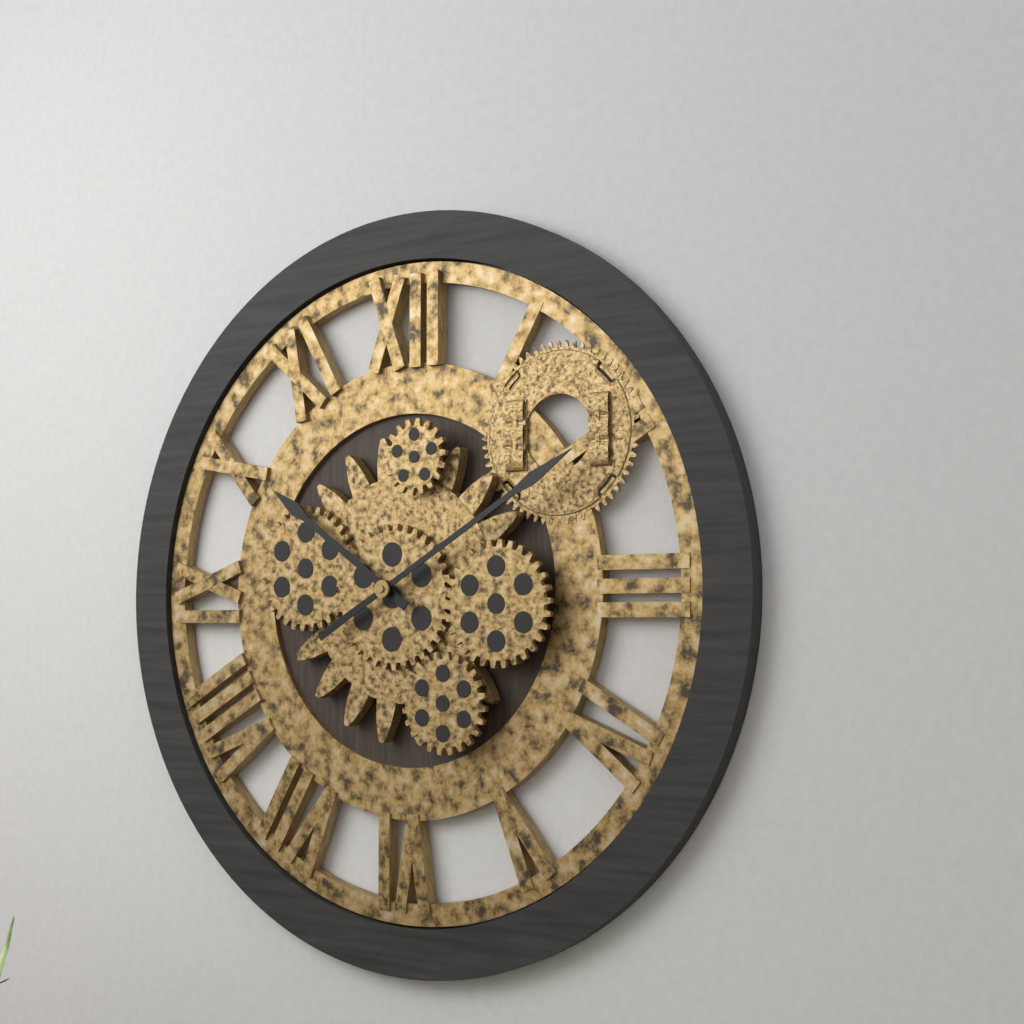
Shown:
10 h 10 min
